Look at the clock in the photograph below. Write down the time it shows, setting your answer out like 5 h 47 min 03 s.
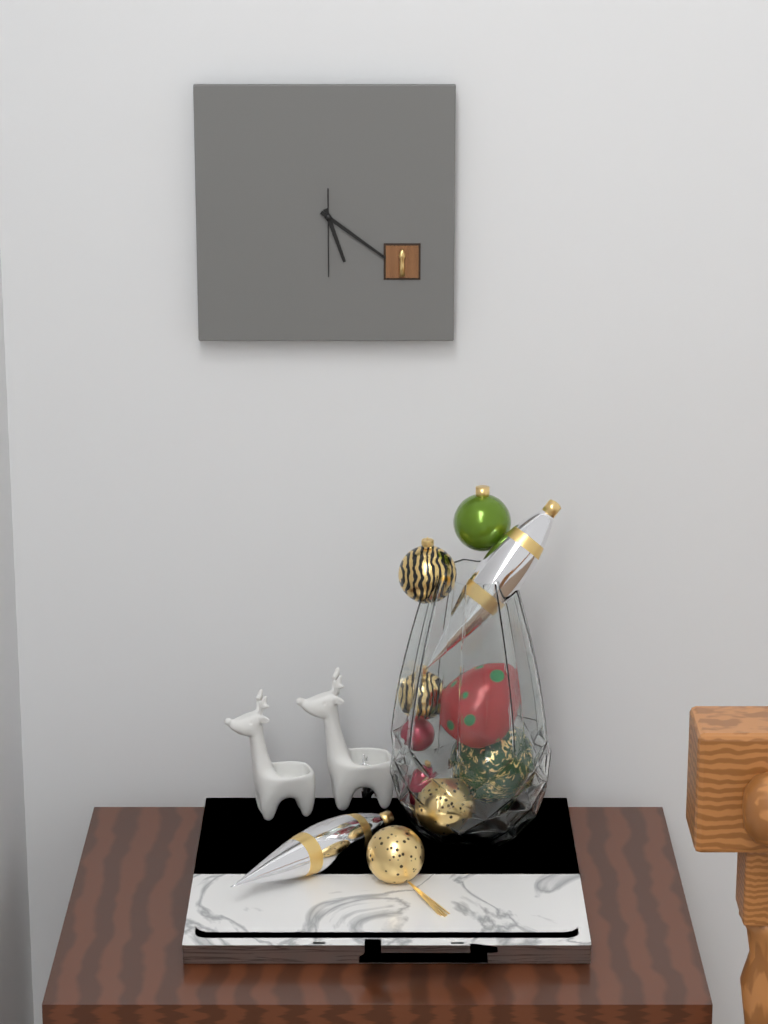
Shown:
5 h 21 min 30 s
